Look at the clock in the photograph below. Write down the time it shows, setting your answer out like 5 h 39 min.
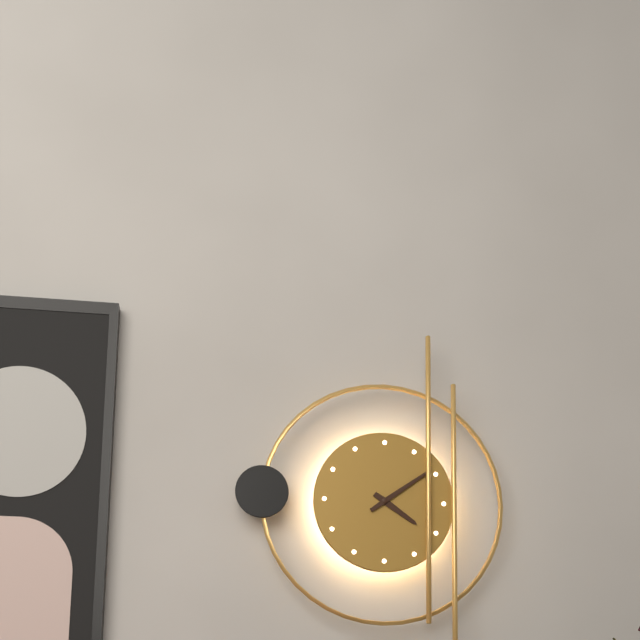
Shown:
4 h 09 min
